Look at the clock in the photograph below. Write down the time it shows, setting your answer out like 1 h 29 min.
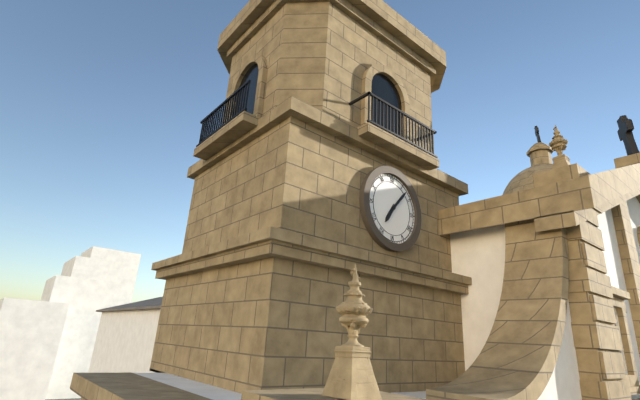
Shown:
7 h 07 min
